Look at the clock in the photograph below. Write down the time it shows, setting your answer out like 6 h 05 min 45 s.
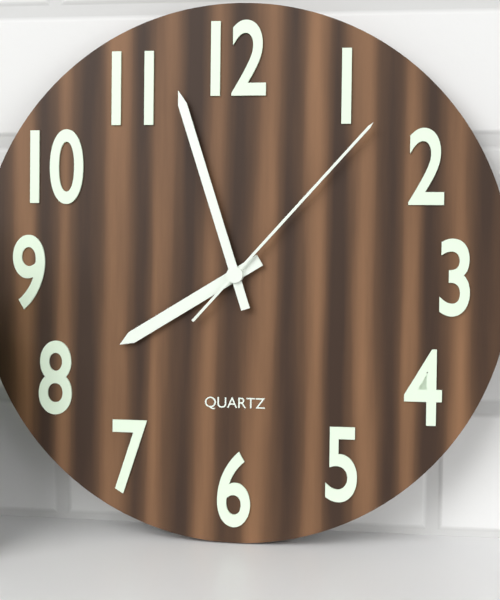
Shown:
7 h 57 min 07 s
